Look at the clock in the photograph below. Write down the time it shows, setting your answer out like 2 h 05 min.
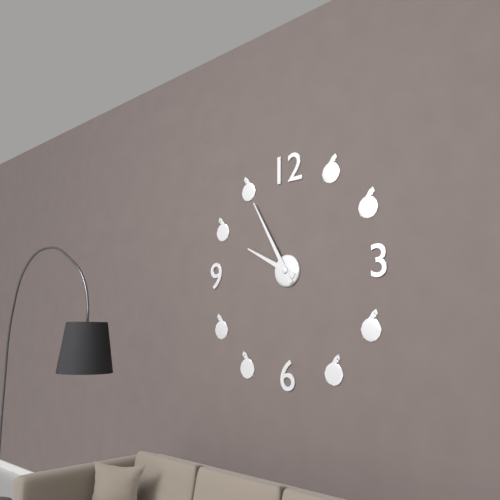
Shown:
9 h 55 min
